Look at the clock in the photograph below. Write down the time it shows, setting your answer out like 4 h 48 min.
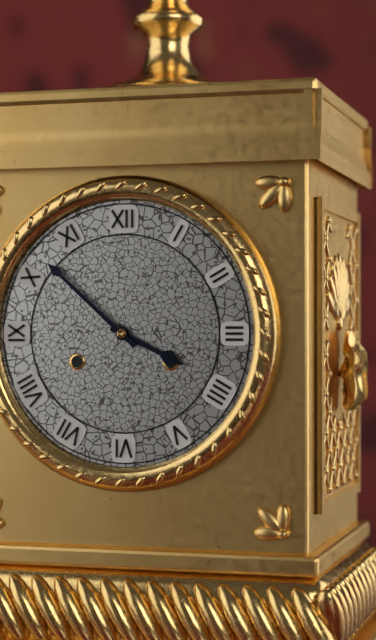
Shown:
3 h 52 min
